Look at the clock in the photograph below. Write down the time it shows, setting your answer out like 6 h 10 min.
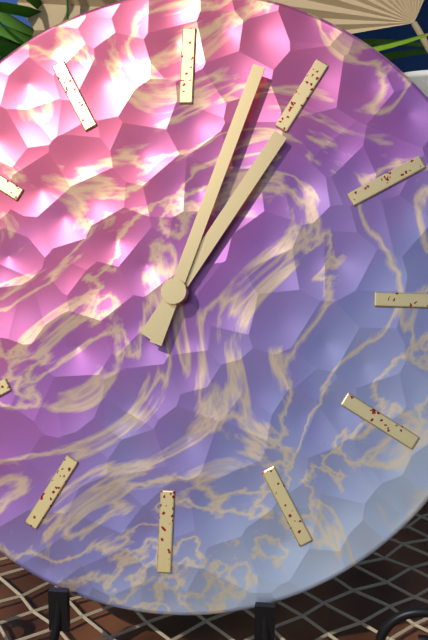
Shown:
1 h 03 min
